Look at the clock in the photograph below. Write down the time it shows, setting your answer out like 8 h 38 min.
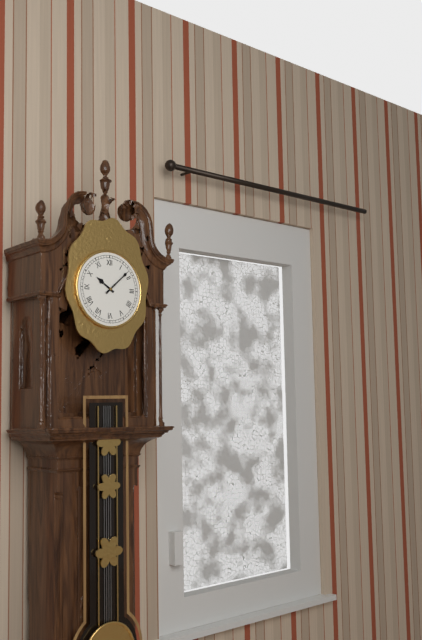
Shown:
10 h 08 min
